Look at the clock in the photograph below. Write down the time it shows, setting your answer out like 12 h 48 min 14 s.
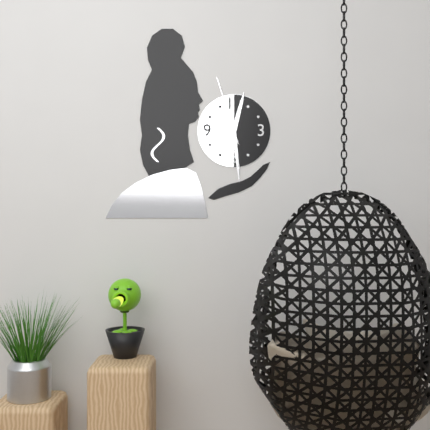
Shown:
12 h 29 min 57 s
